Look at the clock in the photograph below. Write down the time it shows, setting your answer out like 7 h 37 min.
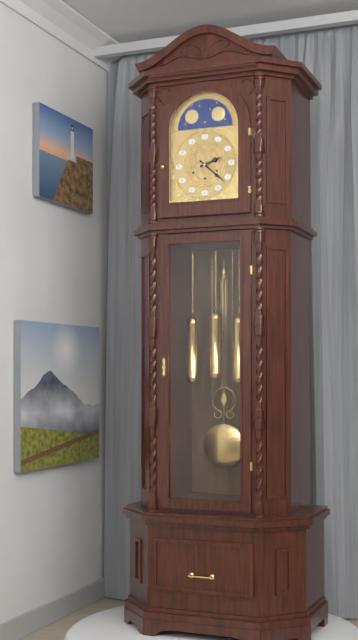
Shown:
2 h 22 min
